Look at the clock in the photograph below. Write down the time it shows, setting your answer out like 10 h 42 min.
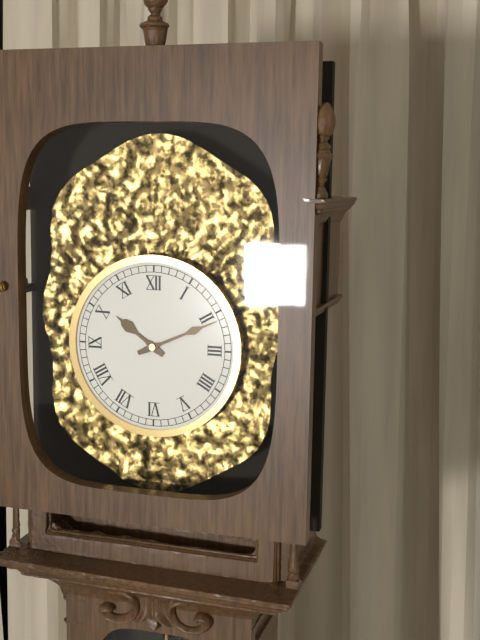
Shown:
10 h 11 min
